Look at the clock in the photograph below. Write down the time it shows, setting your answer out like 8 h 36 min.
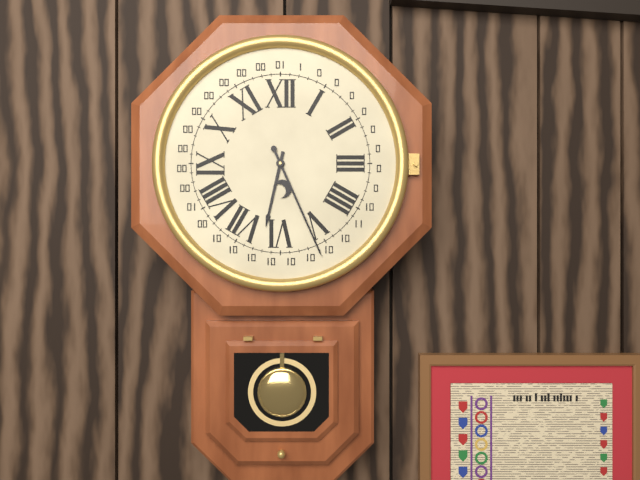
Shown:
6 h 26 min
